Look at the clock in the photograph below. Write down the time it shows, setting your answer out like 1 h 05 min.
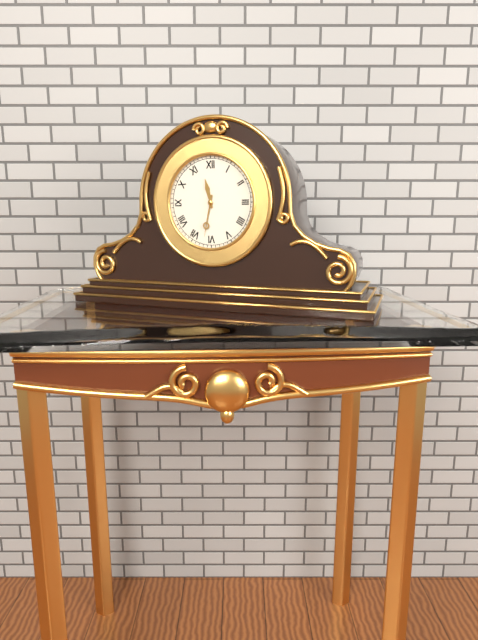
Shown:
11 h 32 min
